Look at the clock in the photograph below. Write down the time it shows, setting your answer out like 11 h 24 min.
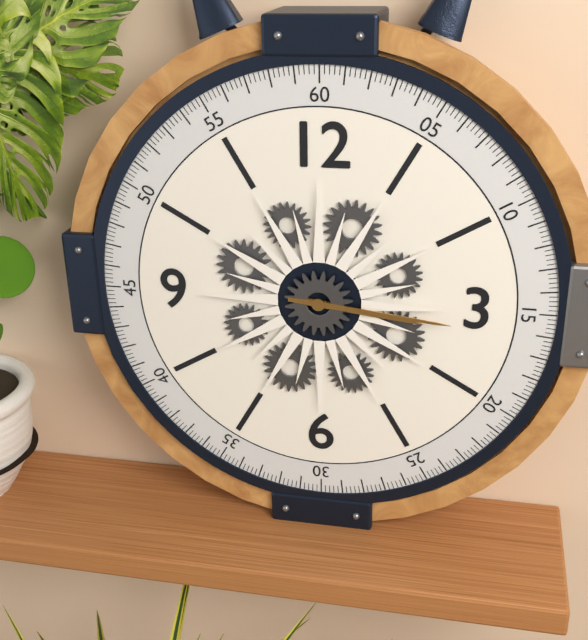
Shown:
3 h 16 min
